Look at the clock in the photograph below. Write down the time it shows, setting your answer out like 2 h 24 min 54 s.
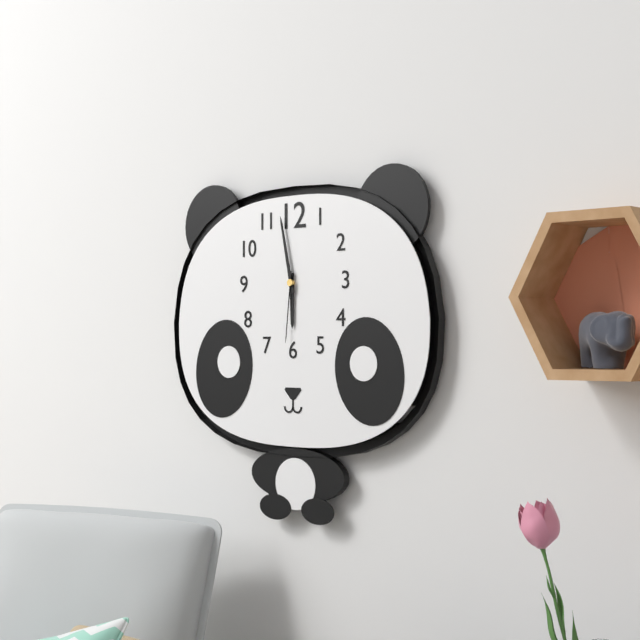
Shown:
5 h 58 min 31 s
